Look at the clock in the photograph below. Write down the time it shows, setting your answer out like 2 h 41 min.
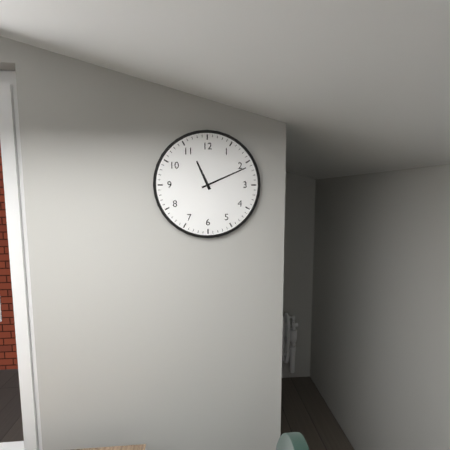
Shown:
11 h 11 min
